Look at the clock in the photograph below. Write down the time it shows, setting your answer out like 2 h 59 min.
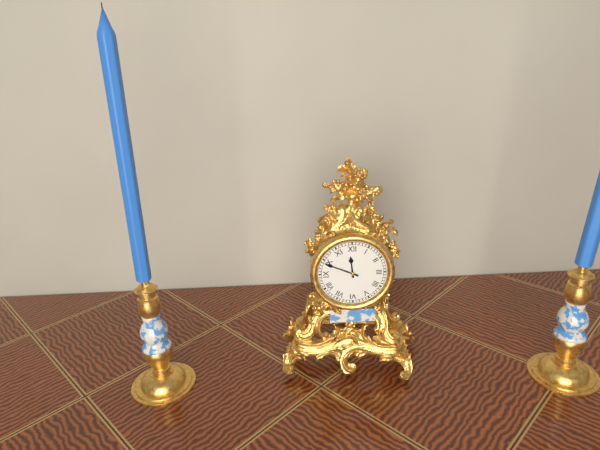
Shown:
11 h 49 min
